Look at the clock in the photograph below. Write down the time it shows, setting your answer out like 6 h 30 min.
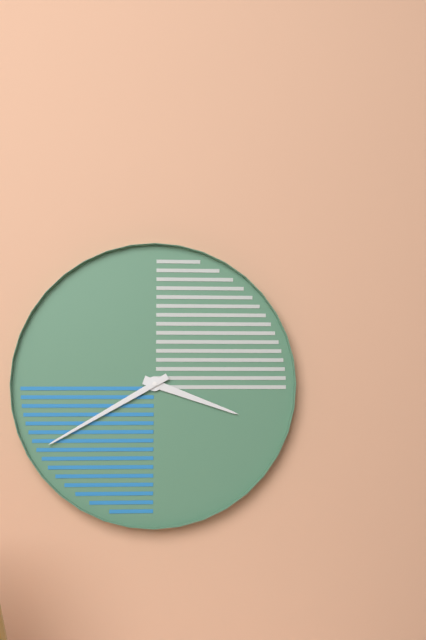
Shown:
3 h 40 min
